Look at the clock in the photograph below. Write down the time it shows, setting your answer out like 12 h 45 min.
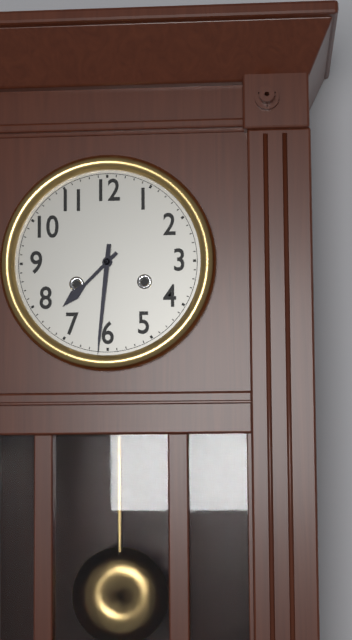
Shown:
7 h 31 min
